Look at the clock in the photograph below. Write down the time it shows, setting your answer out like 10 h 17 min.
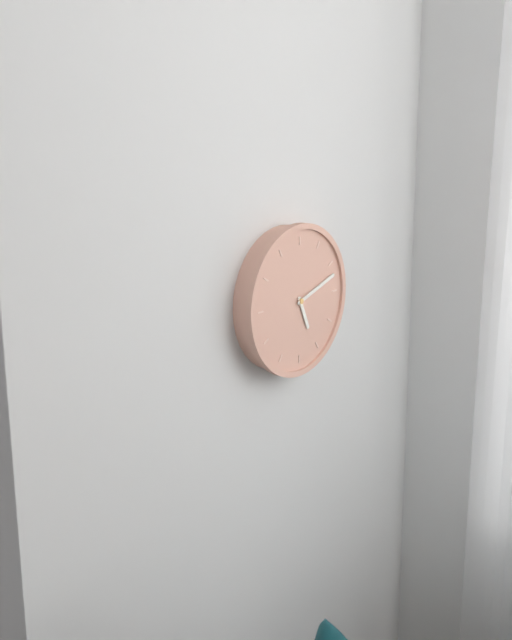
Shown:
5 h 12 min
